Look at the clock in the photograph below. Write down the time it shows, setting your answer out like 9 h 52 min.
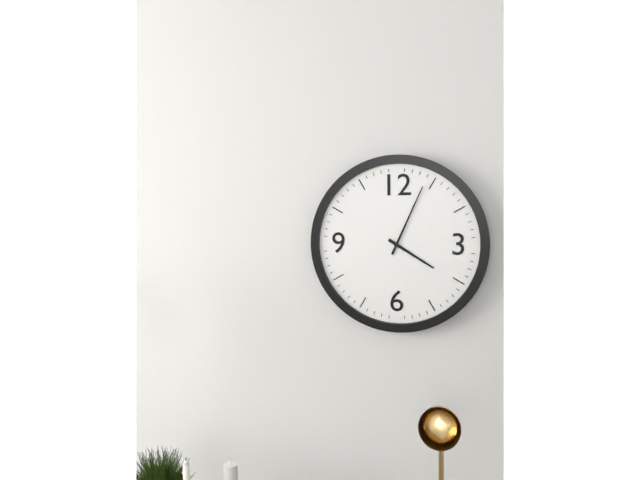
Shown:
4 h 04 min
